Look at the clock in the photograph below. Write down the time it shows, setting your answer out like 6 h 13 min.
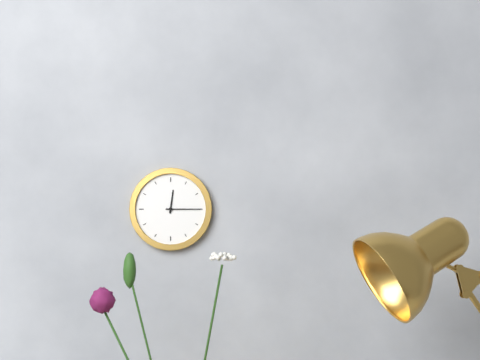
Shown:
12 h 15 min
